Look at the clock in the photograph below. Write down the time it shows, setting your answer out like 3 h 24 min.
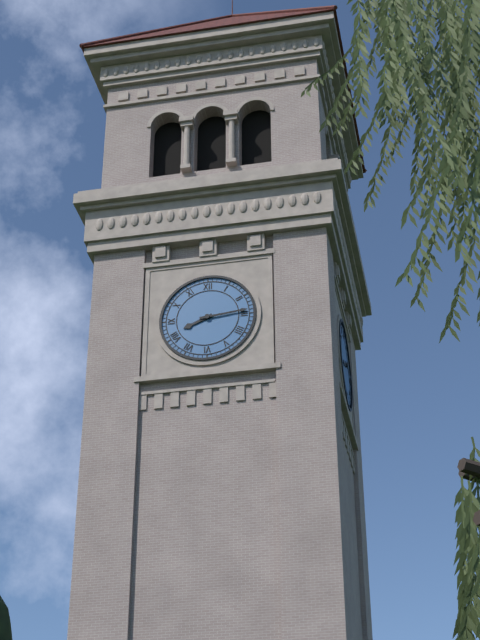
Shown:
8 h 14 min
